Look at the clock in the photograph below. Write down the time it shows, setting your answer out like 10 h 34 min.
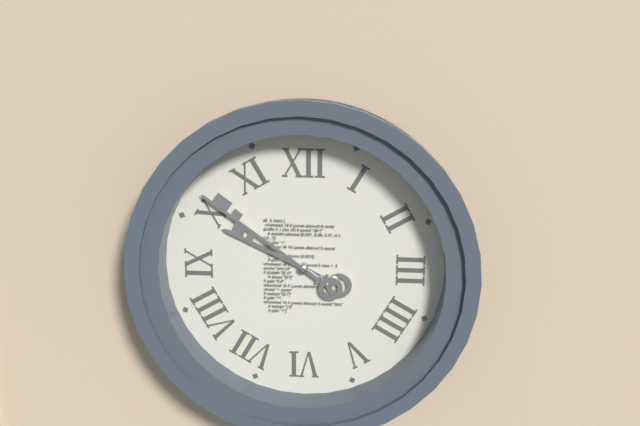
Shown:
9 h 51 min
